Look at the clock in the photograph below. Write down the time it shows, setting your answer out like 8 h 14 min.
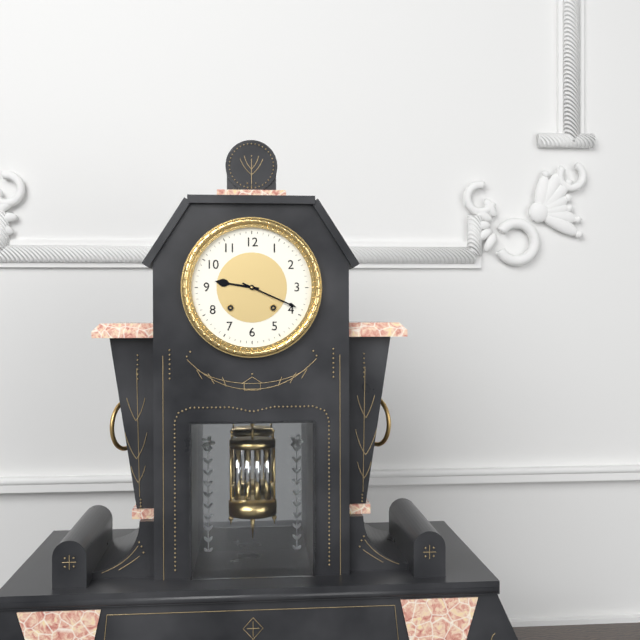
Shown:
9 h 19 min
